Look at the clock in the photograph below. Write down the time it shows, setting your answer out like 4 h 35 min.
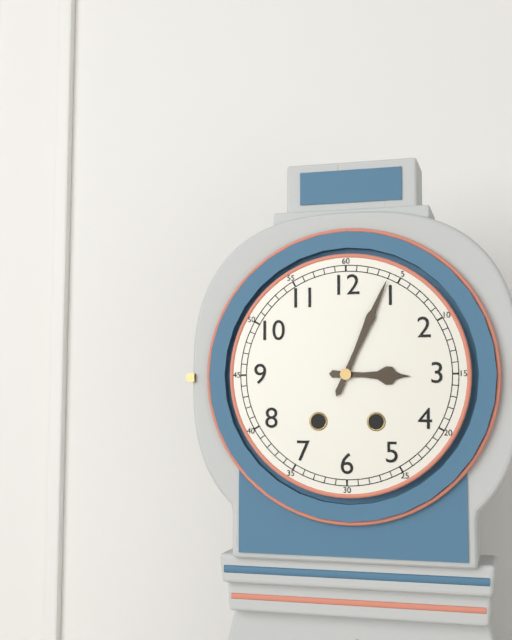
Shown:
3 h 04 min
